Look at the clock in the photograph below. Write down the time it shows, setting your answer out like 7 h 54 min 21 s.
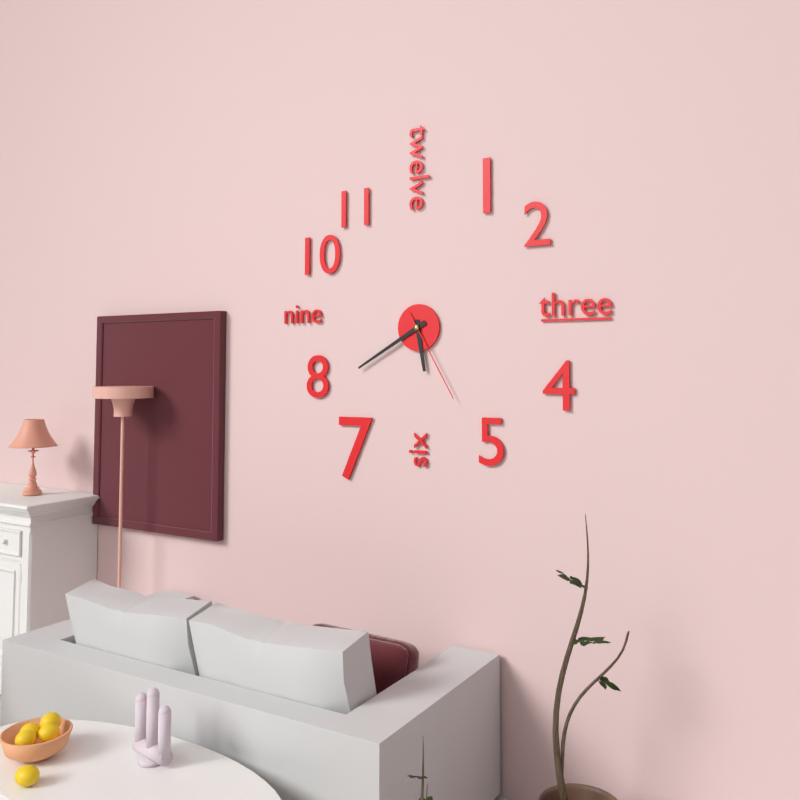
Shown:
5 h 40 min 25 s
